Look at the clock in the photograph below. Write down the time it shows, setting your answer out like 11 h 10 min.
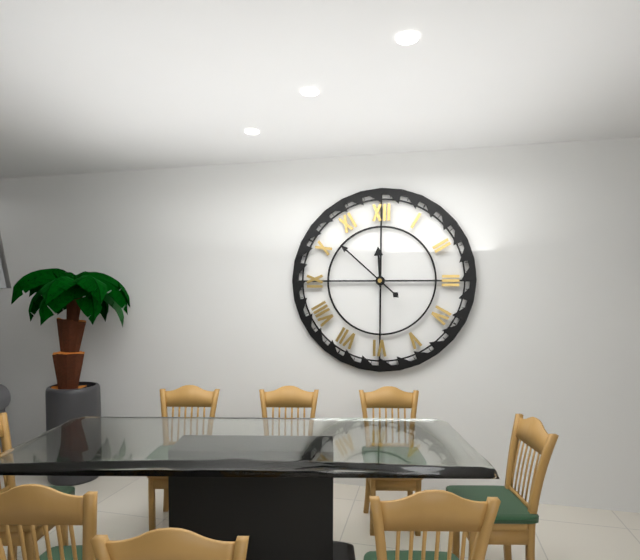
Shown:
11 h 52 min
